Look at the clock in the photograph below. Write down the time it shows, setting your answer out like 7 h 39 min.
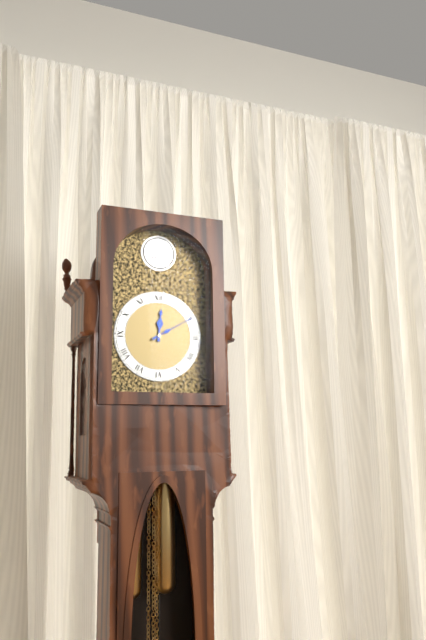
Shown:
12 h 10 min
